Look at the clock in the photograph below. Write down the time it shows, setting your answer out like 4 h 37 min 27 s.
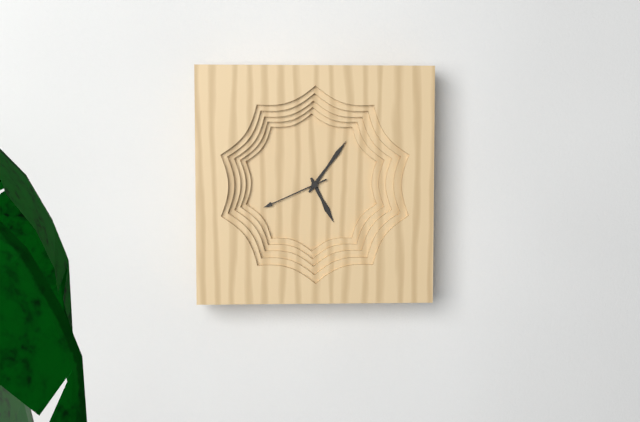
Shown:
5 h 06 min 41 s
